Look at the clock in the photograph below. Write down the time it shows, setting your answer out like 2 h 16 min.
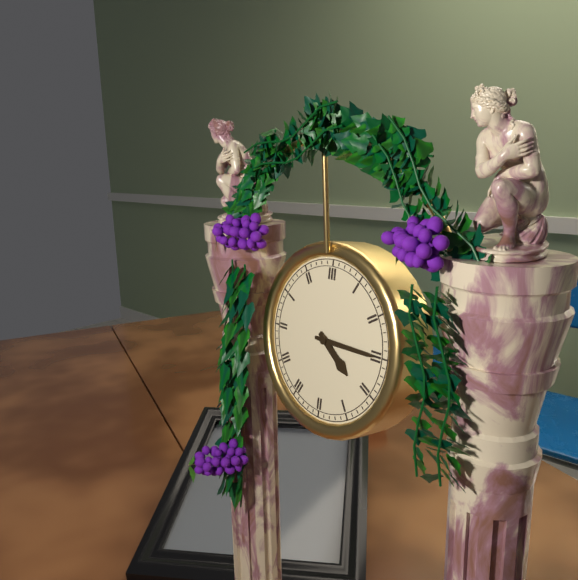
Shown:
4 h 15 min
